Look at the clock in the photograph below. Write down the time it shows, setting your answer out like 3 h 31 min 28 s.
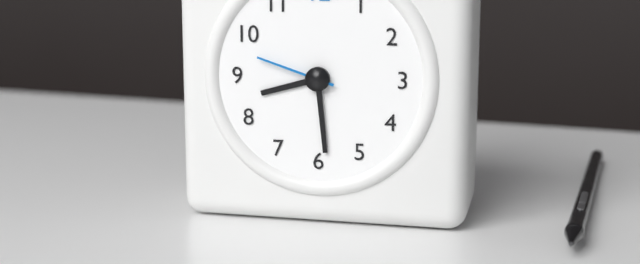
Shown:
8 h 29 min 48 s
